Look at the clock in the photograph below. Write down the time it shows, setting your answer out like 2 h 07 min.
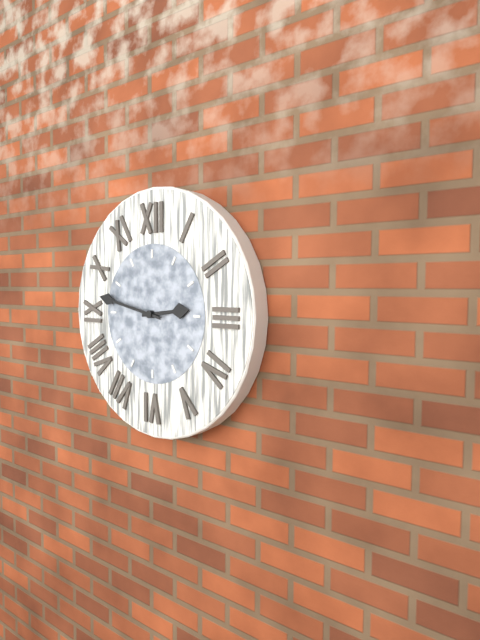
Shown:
2 h 47 min
